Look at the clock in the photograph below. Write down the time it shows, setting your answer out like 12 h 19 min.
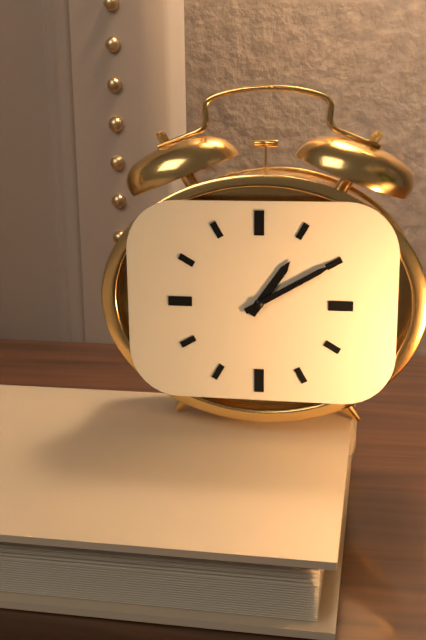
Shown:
1 h 10 min
